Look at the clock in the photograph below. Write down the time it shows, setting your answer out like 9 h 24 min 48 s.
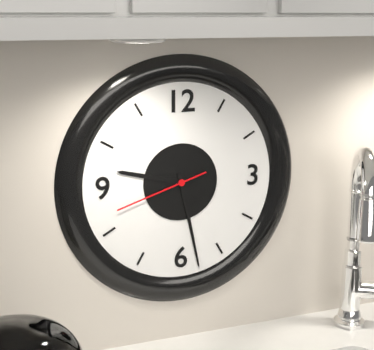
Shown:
9 h 28 min 42 s
